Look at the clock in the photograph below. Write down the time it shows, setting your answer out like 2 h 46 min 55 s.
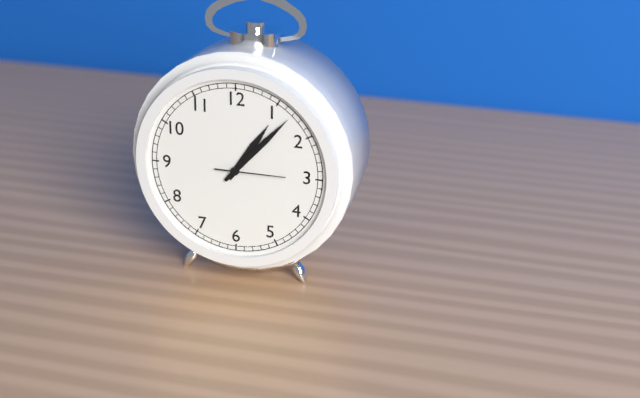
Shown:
1 h 07 min 15 s
